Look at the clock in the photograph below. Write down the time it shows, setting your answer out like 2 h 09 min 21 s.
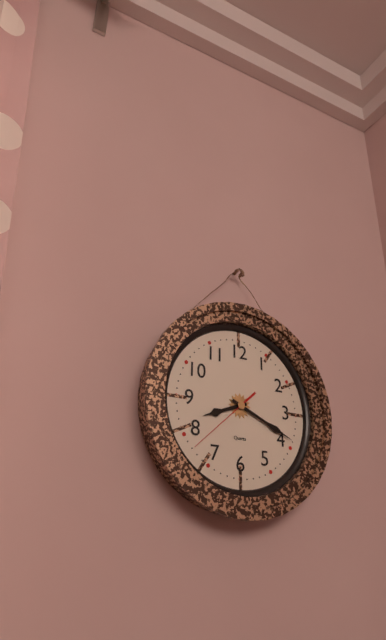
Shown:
8 h 19 min 38 s
